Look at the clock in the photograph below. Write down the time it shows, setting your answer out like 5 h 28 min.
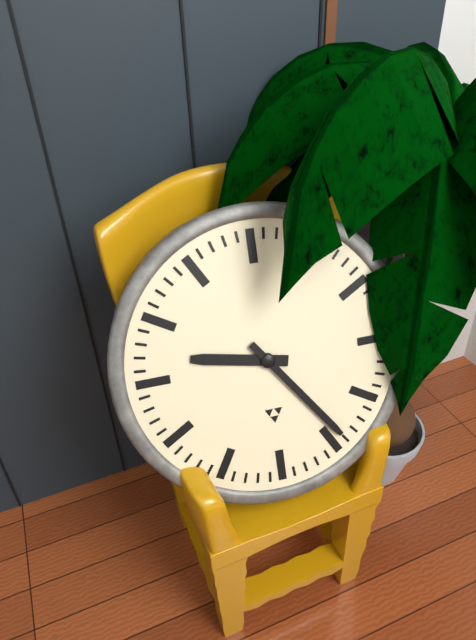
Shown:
9 h 24 min
